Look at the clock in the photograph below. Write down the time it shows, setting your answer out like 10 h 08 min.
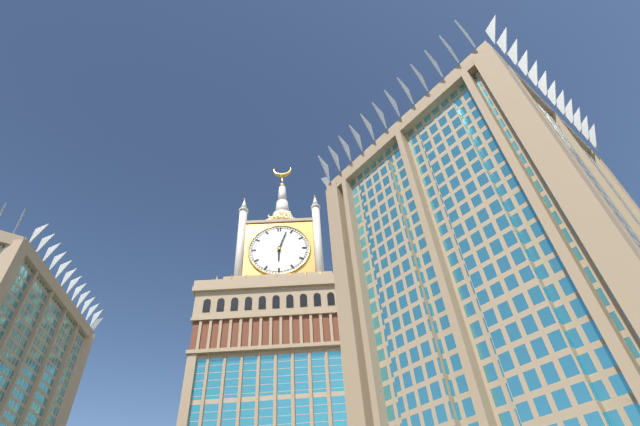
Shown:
6 h 03 min
